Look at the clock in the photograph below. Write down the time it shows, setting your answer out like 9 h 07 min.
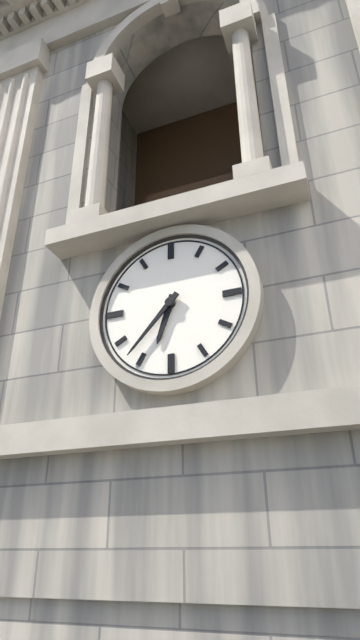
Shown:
6 h 37 min
